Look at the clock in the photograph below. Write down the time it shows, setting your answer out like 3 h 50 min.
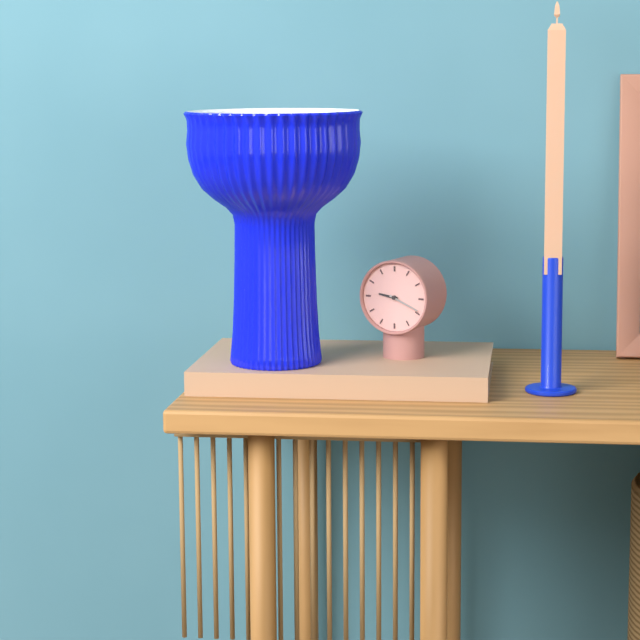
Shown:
9 h 19 min
